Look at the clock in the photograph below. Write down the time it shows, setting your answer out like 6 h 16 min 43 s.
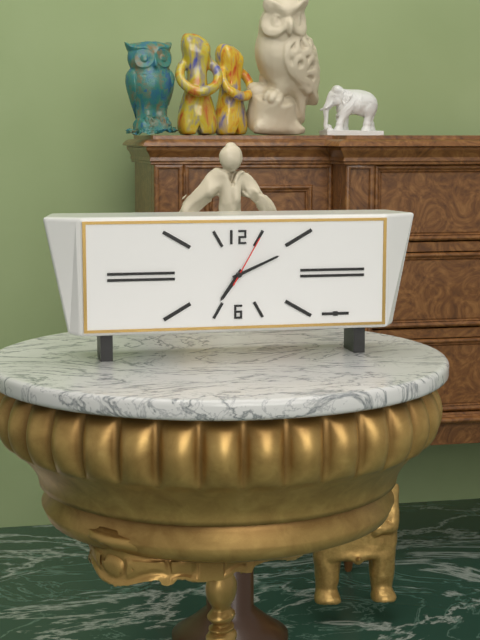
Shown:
7 h 11 min 05 s
